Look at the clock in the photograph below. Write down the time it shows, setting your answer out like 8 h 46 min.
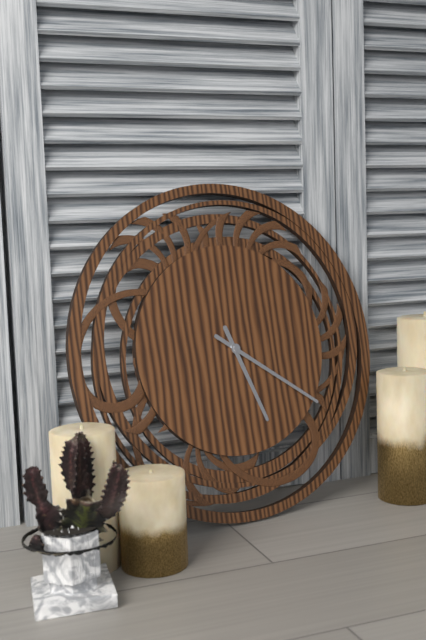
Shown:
5 h 21 min
